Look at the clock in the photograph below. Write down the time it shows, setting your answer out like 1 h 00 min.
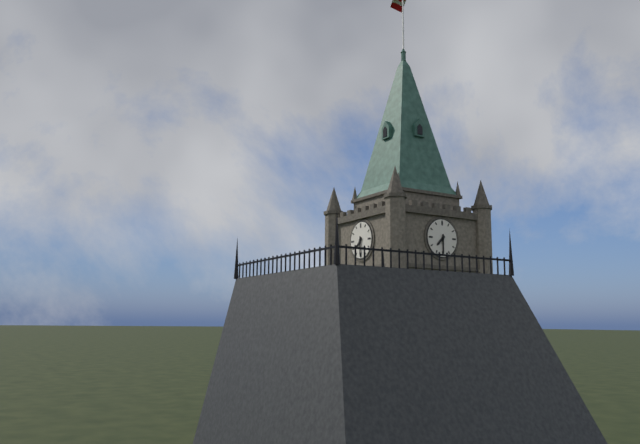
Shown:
7 h 30 min
